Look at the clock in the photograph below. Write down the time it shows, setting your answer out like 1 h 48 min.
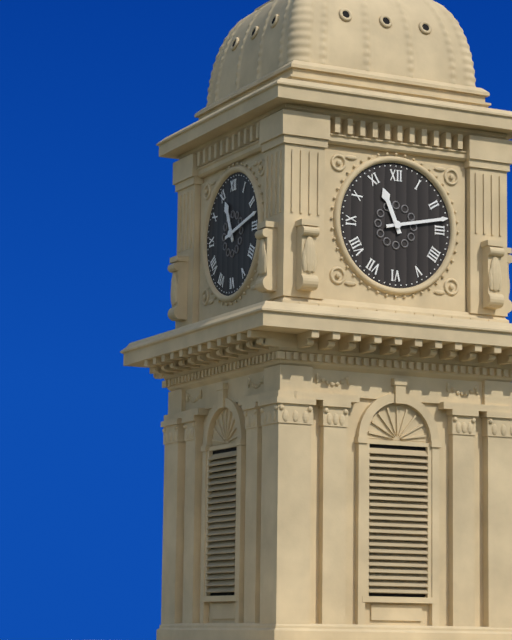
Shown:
11 h 13 min
